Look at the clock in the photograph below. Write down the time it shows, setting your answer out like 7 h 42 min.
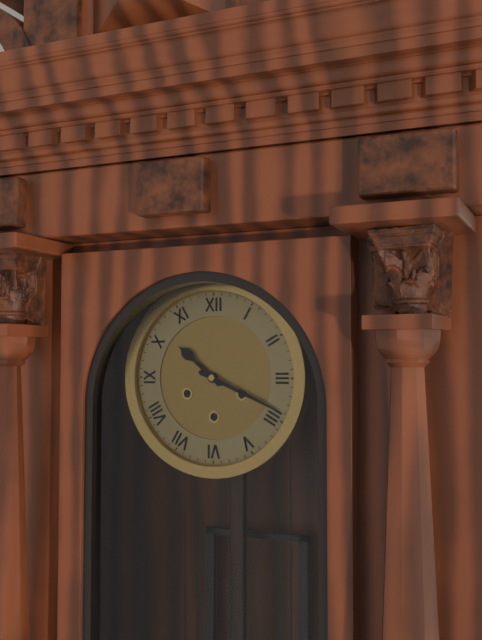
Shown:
10 h 19 min
